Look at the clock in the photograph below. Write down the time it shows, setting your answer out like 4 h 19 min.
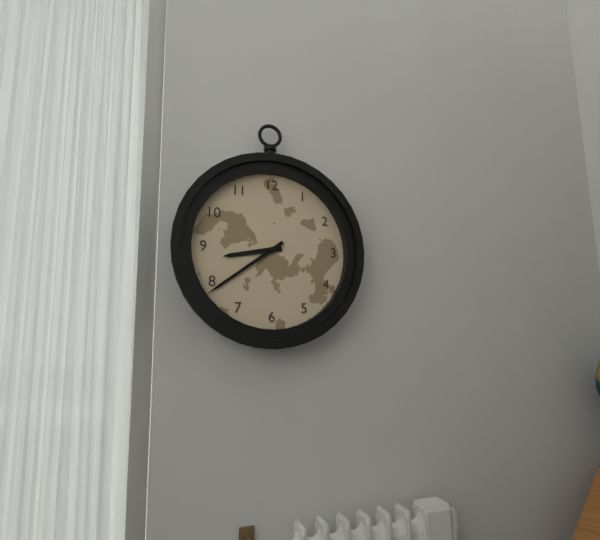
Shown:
8 h 39 min
